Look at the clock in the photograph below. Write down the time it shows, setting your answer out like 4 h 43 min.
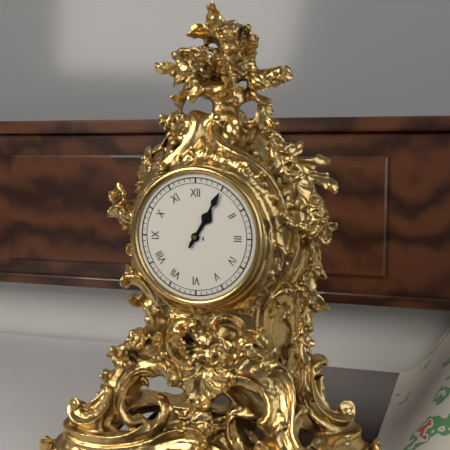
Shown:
1 h 05 min
